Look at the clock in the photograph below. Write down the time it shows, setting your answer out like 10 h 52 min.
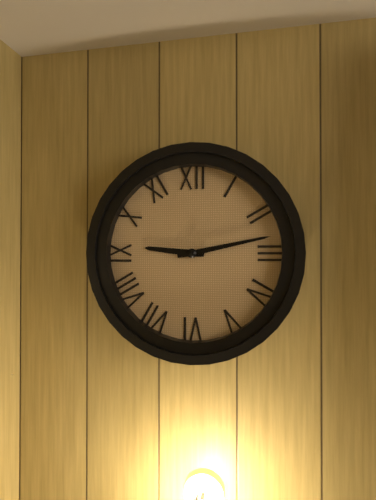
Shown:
9 h 13 min
